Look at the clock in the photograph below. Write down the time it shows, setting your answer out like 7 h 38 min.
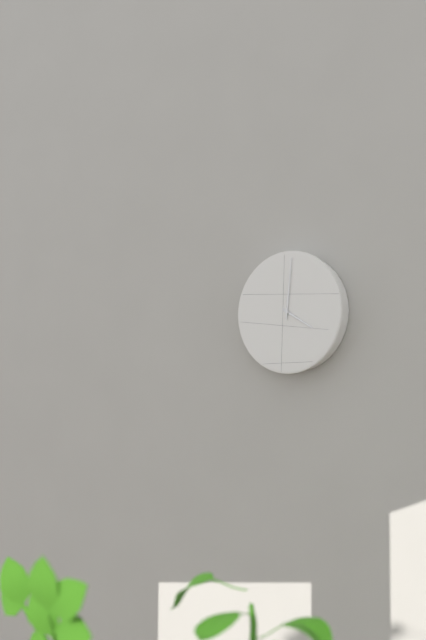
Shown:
4 h 01 min
